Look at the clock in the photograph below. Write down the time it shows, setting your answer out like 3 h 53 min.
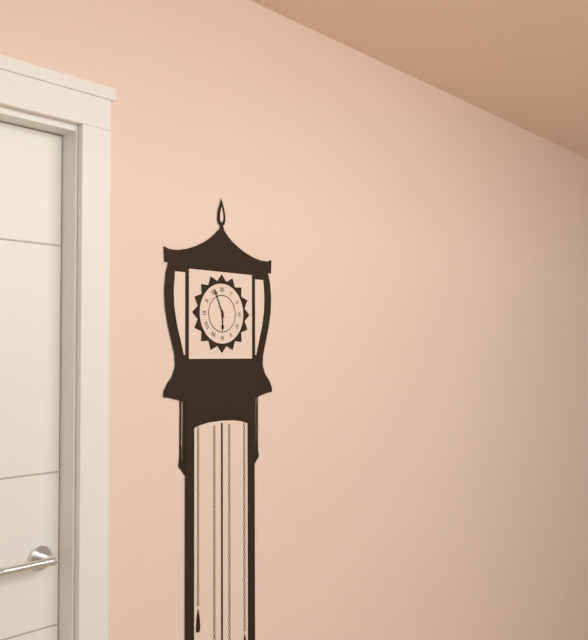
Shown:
5 h 56 min
